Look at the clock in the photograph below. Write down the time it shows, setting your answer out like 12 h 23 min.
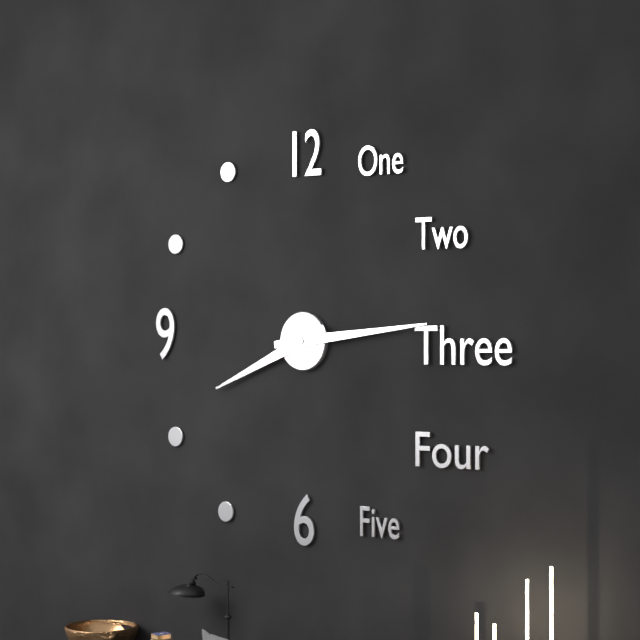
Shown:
8 h 14 min
